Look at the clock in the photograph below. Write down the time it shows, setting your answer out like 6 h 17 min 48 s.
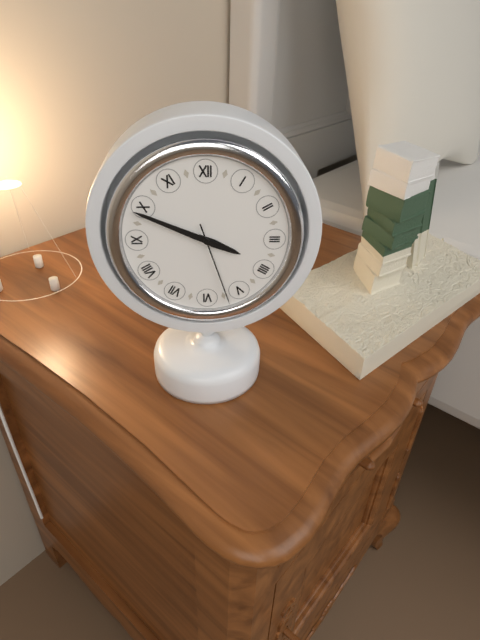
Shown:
3 h 49 min 27 s
